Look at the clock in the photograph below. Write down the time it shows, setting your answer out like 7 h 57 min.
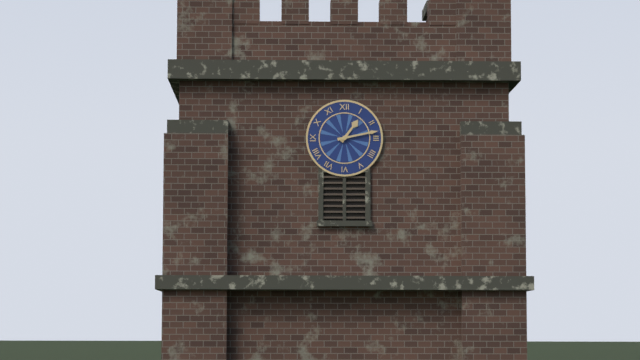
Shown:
1 h 13 min
